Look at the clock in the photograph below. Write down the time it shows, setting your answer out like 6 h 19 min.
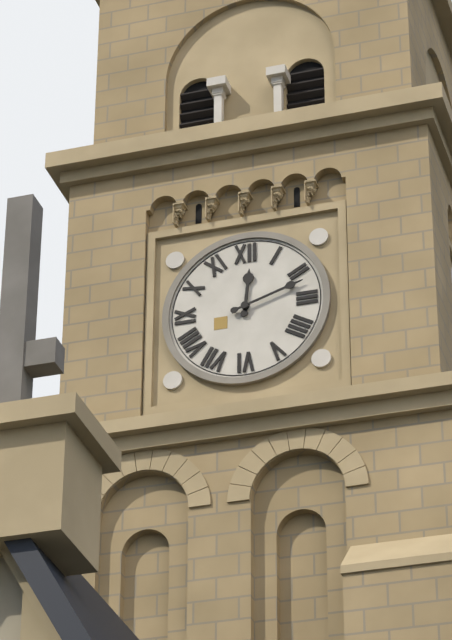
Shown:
12 h 12 min
